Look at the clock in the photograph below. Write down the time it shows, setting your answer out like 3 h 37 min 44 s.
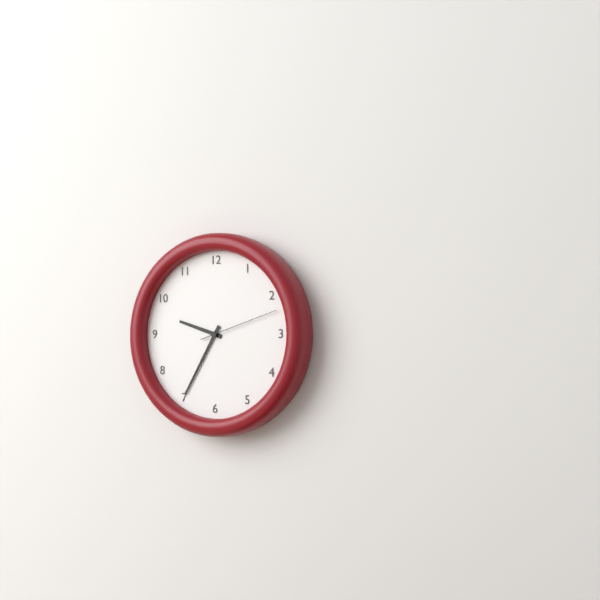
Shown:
9 h 35 min 12 s
